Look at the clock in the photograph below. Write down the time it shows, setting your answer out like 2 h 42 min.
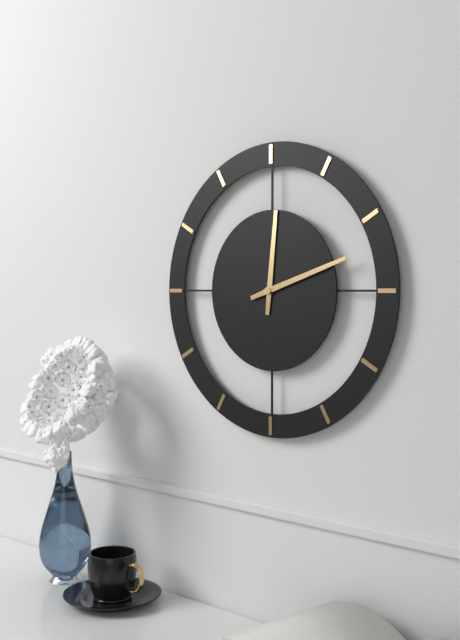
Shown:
12 h 12 min
